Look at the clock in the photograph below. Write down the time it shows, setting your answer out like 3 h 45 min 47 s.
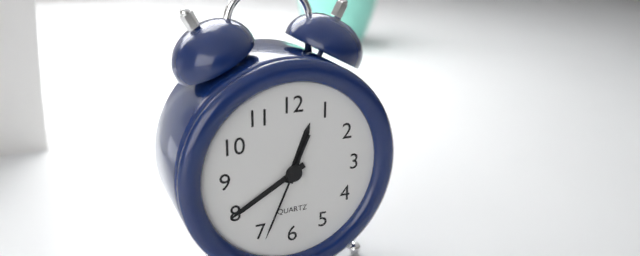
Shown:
12 h 40 min 34 s
